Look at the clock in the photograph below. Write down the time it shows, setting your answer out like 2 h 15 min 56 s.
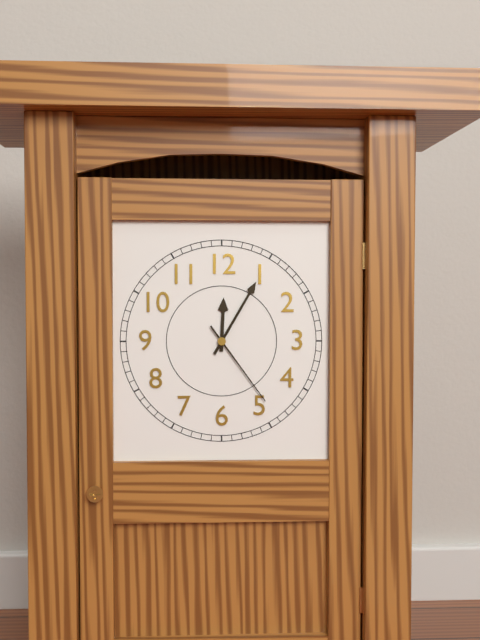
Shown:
12 h 05 min 24 s
